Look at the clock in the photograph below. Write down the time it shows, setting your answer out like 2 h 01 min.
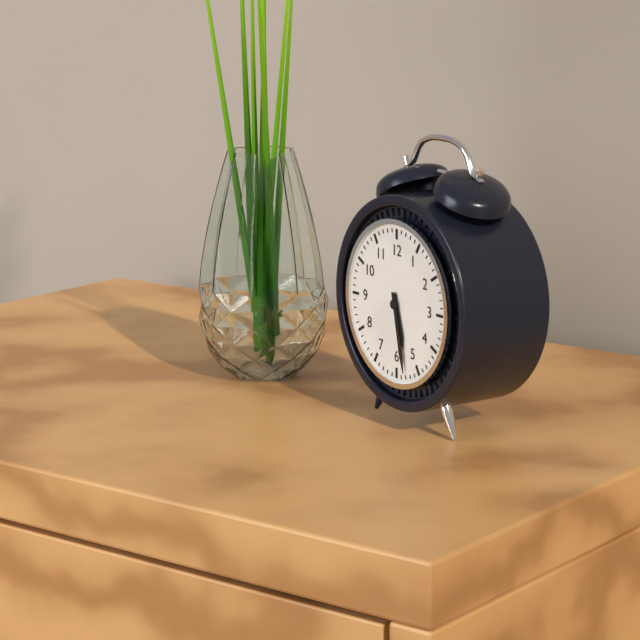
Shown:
5 h 28 min
